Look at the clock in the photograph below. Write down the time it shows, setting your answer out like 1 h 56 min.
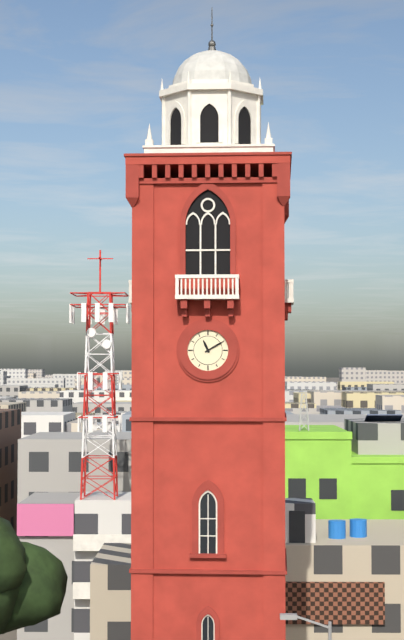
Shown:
11 h 10 min
